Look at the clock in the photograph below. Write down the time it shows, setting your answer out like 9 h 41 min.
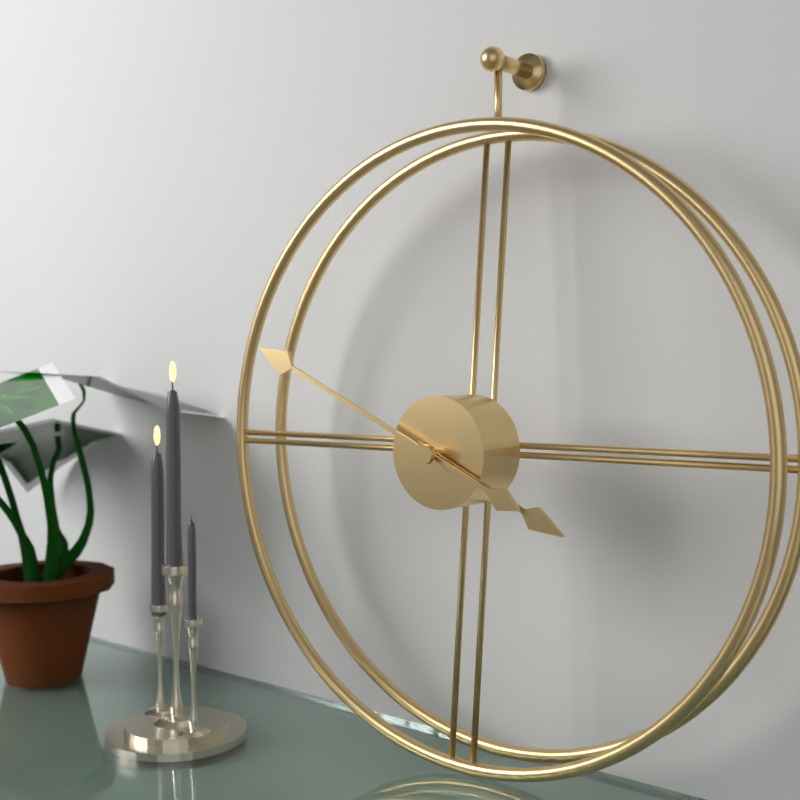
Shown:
3 h 49 min
